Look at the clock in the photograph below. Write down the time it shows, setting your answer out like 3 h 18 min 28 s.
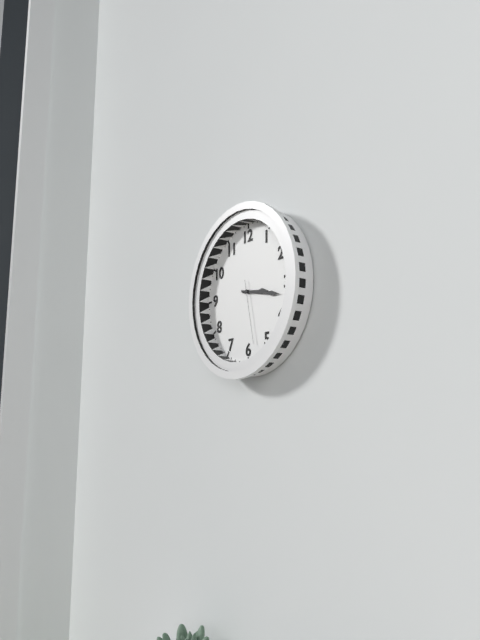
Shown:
3 h 17 min 28 s
